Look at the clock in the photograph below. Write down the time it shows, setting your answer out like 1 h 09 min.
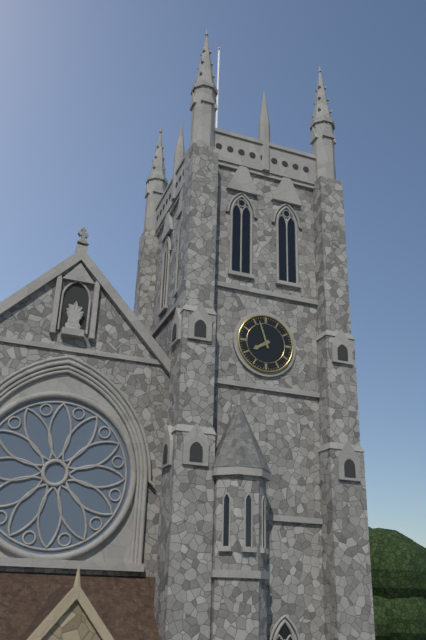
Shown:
7 h 57 min
